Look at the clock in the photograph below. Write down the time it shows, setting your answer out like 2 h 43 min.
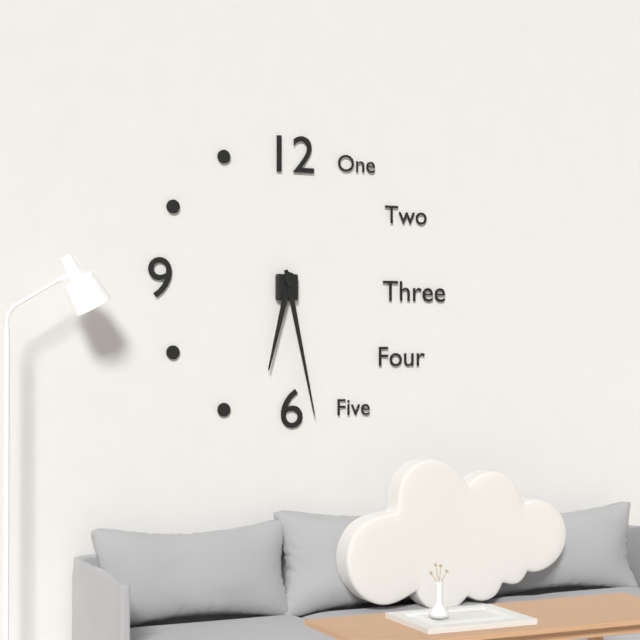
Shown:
6 h 28 min
